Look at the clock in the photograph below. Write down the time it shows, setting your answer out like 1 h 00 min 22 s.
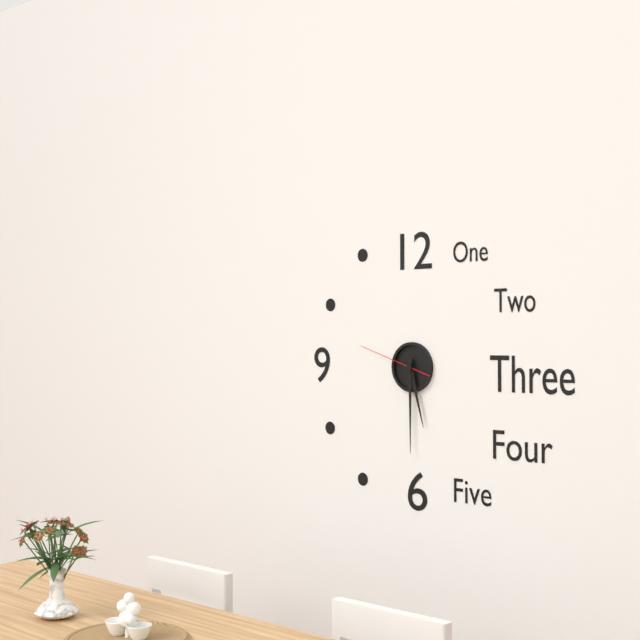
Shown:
5 h 30 min 48 s
